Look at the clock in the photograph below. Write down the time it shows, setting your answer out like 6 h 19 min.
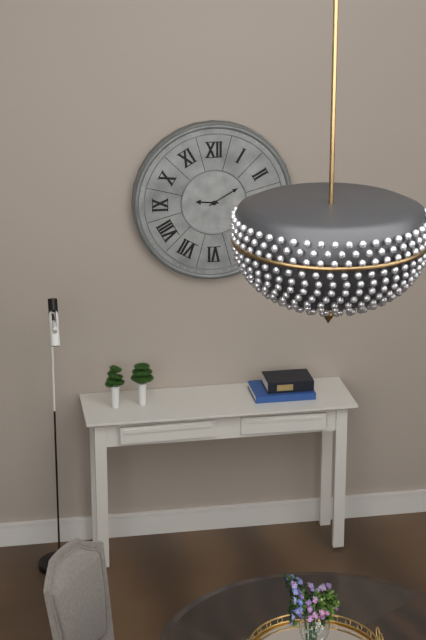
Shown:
9 h 10 min
